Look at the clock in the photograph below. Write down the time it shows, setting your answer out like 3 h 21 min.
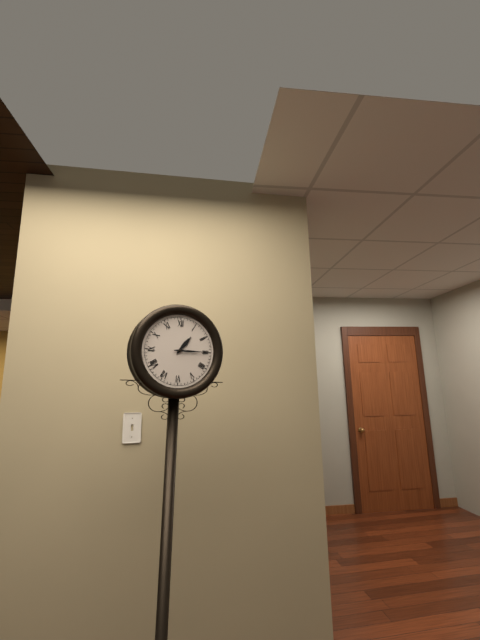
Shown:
1 h 15 min
